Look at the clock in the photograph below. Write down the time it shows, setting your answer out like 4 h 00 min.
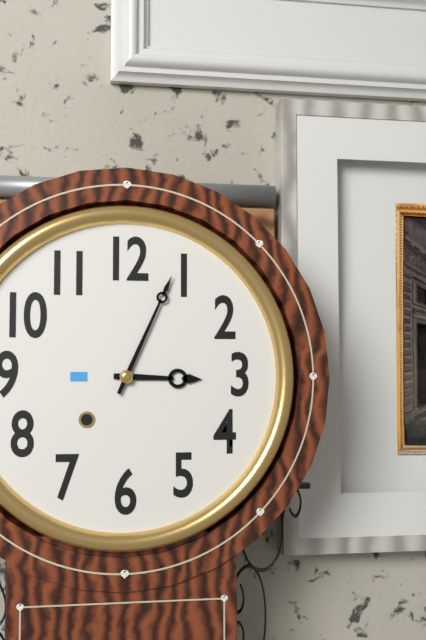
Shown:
3 h 04 min
